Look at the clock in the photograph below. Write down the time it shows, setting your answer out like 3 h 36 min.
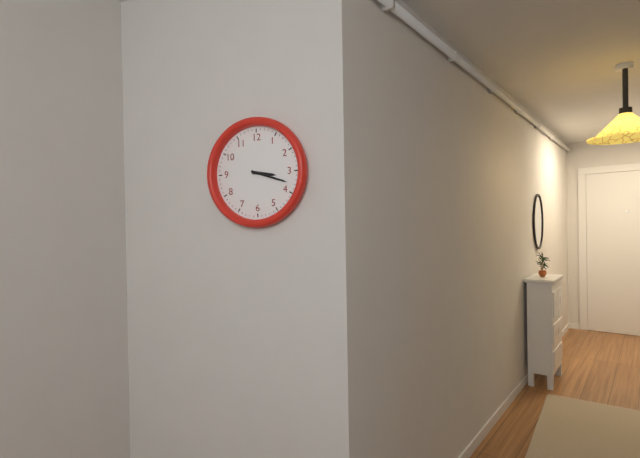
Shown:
3 h 18 min
